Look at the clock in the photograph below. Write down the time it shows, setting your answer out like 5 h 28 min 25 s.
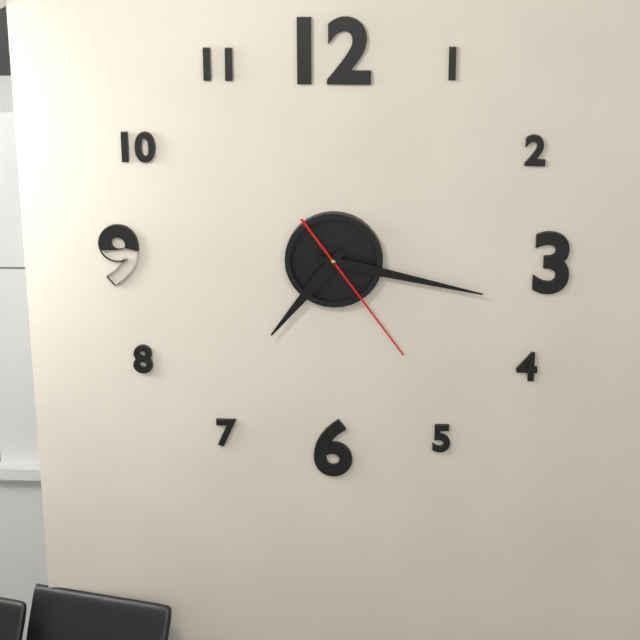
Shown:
7 h 17 min 24 s
